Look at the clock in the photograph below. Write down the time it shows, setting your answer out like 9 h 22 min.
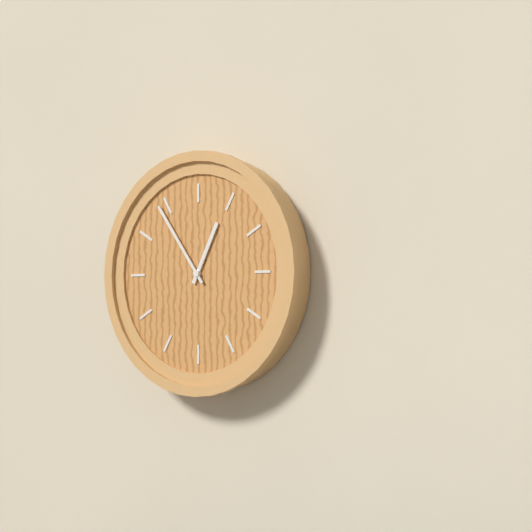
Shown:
12 h 54 min
